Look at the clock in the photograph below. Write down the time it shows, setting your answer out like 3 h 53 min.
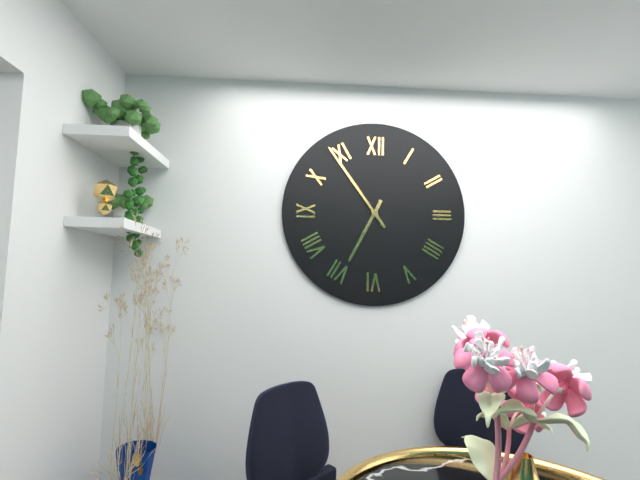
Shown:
6 h 54 min
